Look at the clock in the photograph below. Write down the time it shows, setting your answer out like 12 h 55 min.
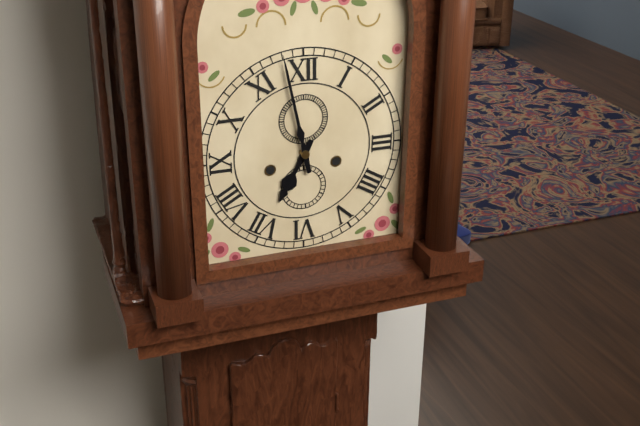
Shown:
6 h 58 min
